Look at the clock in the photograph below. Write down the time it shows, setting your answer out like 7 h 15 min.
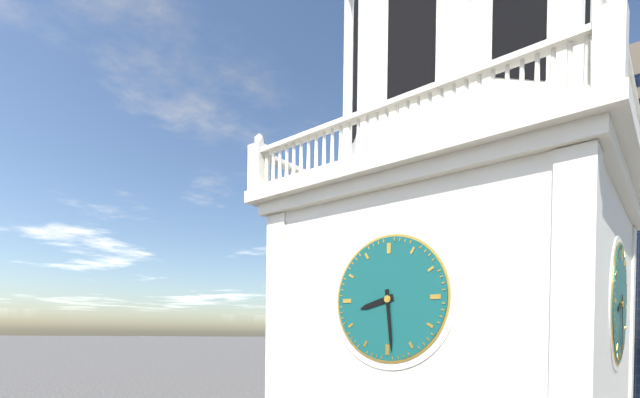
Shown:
8 h 29 min
